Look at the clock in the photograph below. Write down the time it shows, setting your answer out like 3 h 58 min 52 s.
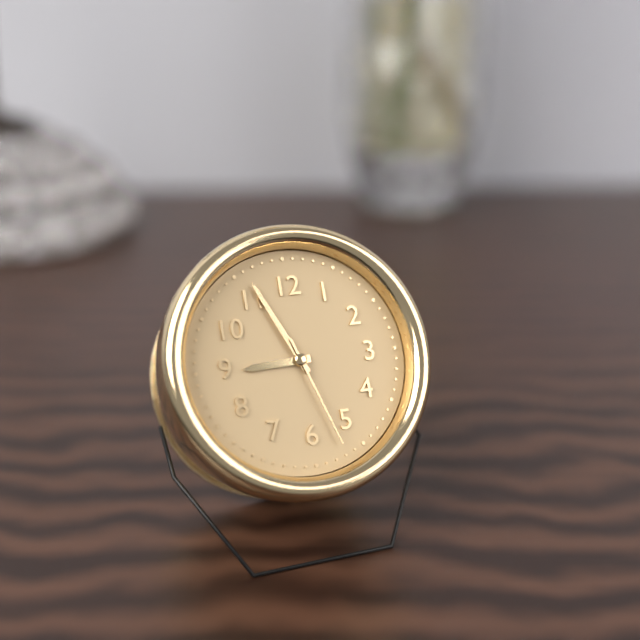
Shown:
8 h 56 min 27 s
